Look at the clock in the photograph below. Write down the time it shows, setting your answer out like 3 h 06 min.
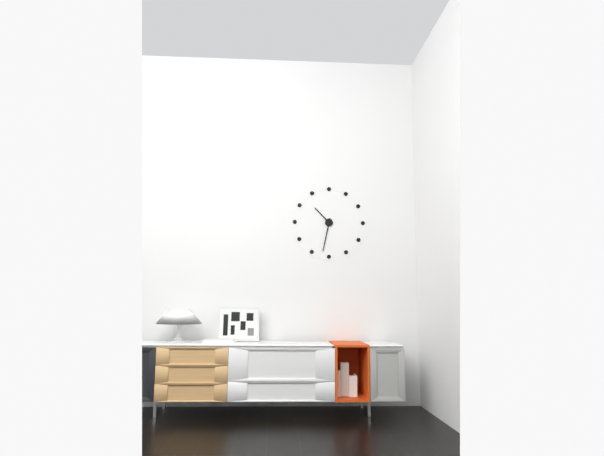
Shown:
10 h 32 min
